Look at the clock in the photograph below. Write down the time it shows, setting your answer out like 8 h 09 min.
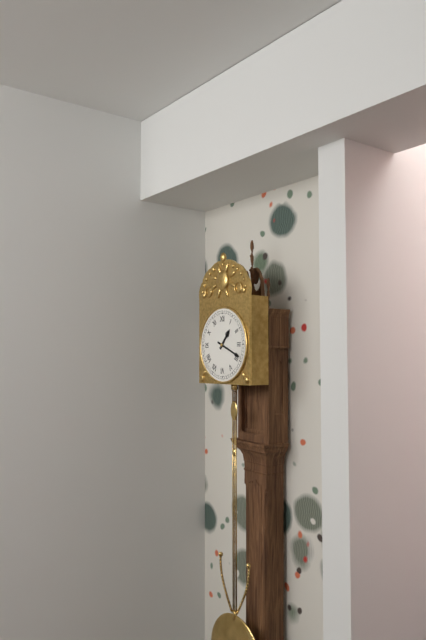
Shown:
1 h 19 min
